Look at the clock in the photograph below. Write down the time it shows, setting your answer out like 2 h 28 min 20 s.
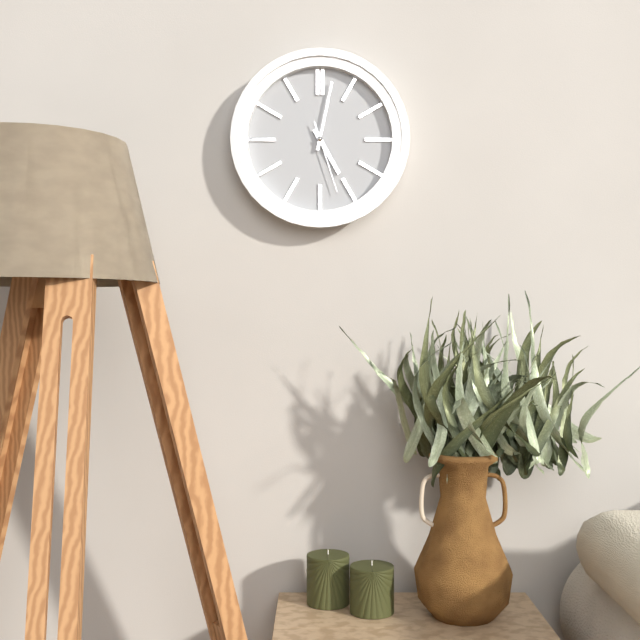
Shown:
5 h 02 min 27 s
